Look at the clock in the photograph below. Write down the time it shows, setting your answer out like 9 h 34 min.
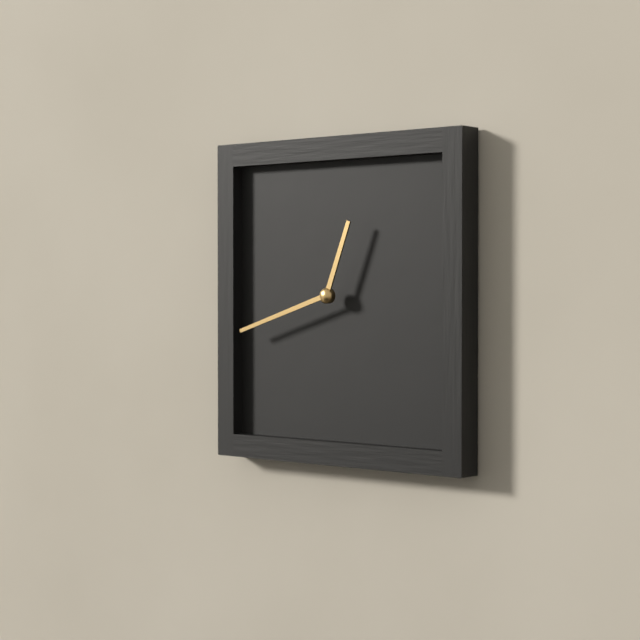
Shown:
12 h 42 min
